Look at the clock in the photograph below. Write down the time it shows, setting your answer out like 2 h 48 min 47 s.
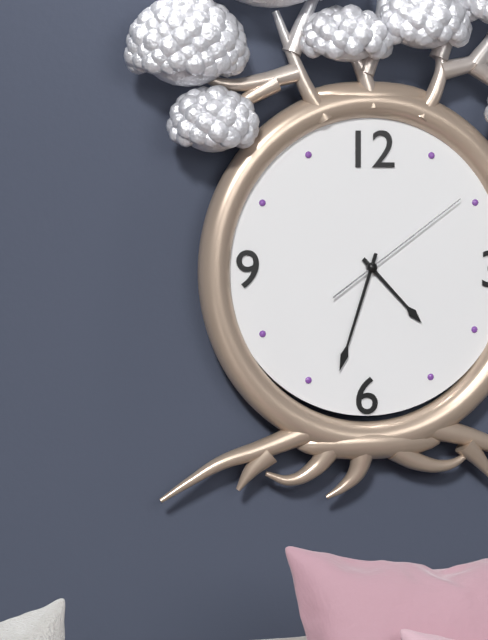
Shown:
4 h 33 min 09 s
